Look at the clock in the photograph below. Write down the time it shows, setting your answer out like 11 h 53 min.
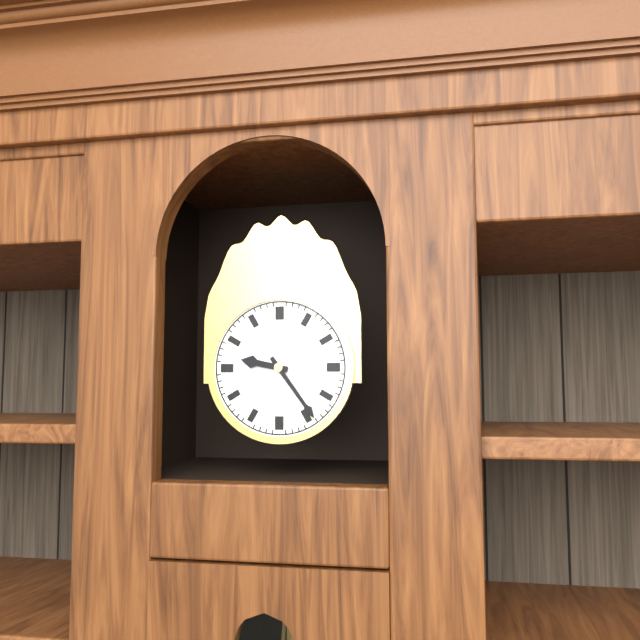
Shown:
9 h 24 min
